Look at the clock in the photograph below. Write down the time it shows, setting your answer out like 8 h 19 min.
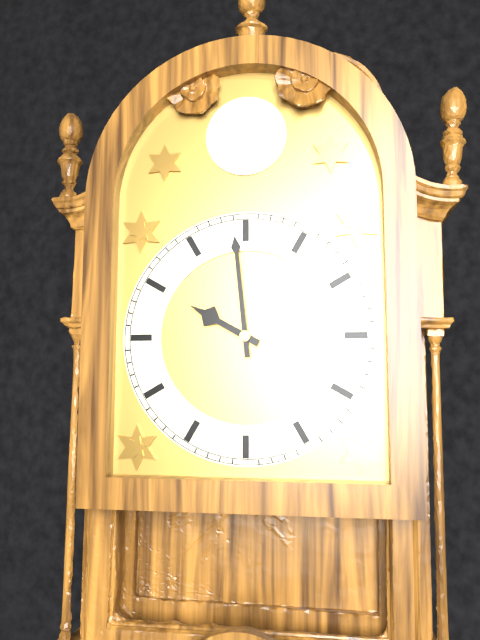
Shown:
9 h 59 min
